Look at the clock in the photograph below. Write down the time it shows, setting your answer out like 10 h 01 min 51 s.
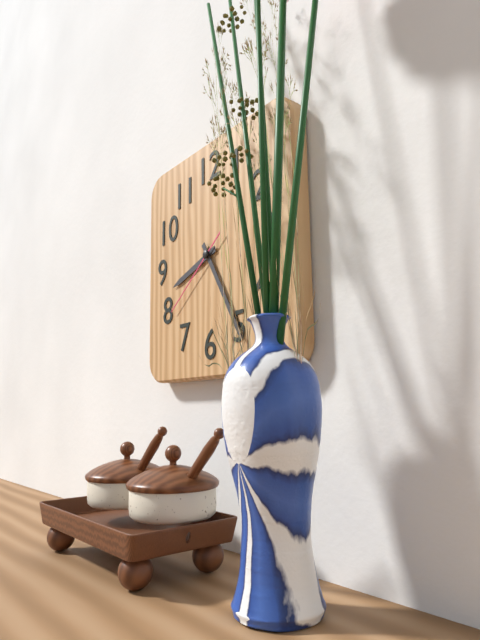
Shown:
8 h 25 min 39 s
